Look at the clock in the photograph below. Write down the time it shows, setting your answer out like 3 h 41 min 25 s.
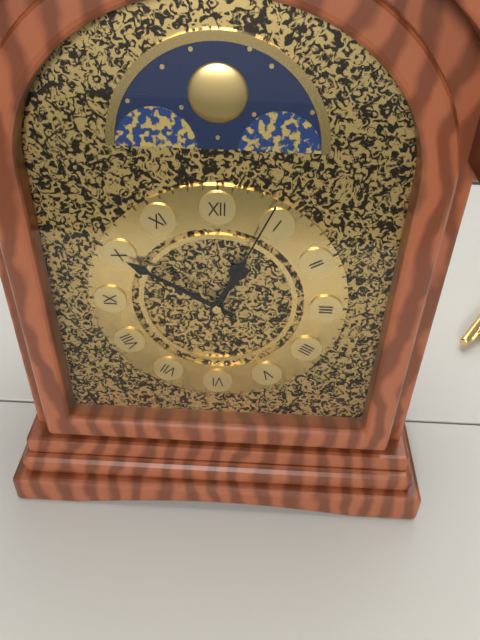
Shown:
12 h 50 min 04 s
